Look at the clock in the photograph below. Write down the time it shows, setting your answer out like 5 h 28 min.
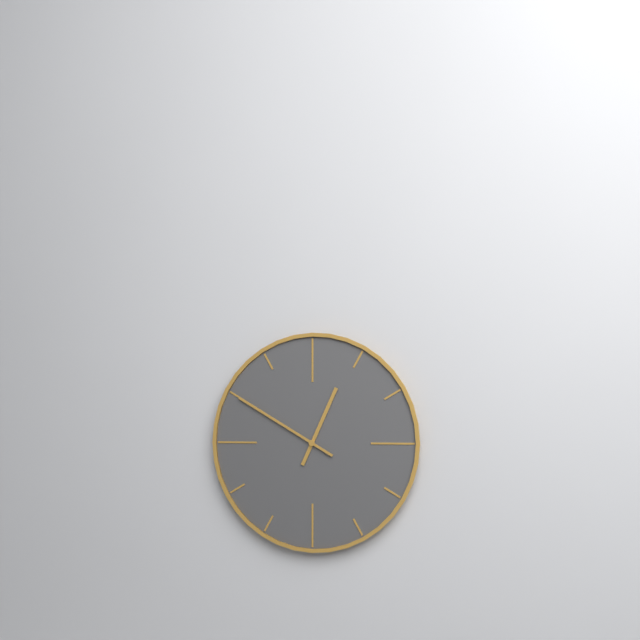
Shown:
12 h 50 min
